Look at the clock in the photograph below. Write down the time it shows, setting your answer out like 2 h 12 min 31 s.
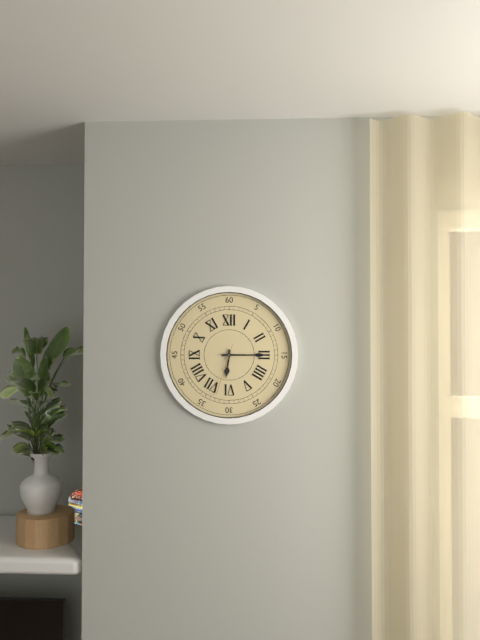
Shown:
6 h 15 min 33 s
